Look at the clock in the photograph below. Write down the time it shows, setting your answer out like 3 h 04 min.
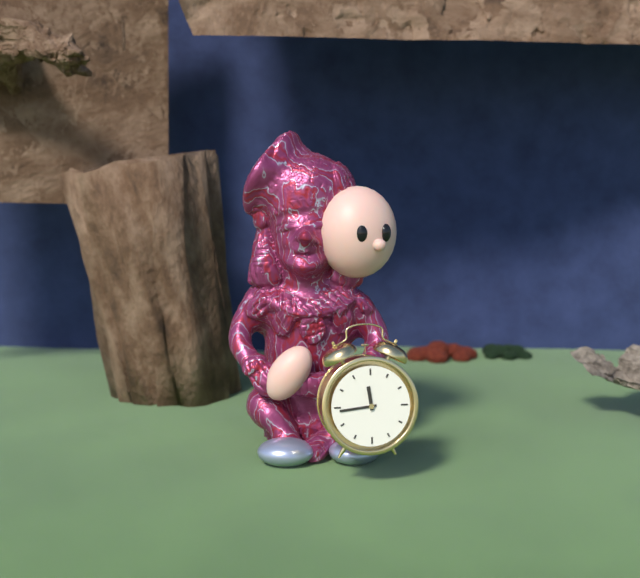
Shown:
11 h 44 min
